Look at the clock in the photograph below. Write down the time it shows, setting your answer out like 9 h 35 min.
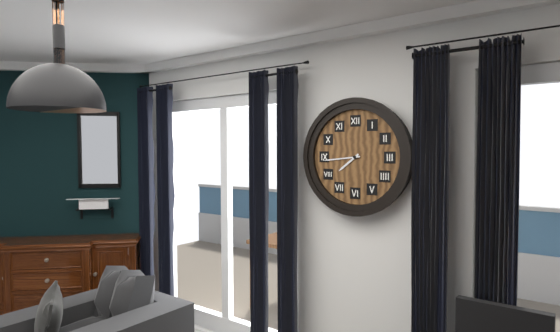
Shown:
7 h 44 min
